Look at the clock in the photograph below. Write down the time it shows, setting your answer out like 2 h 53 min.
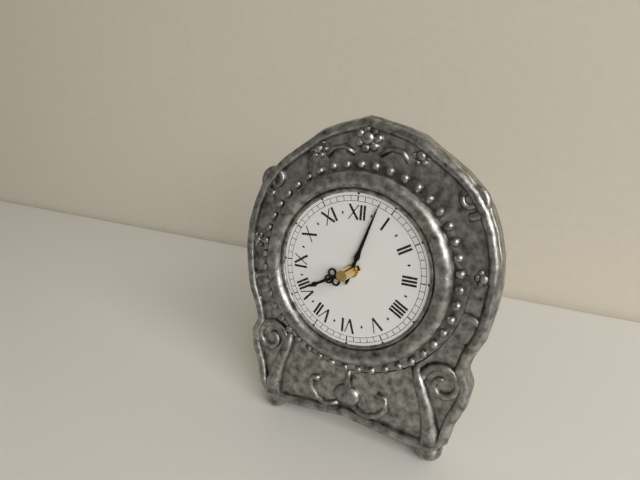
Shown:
8 h 03 min
